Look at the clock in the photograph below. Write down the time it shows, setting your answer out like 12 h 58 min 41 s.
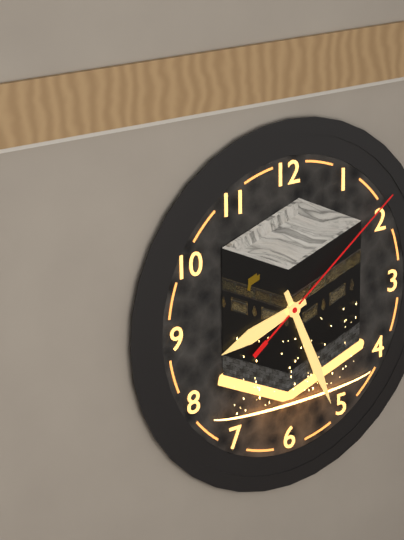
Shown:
8 h 26 min 09 s
